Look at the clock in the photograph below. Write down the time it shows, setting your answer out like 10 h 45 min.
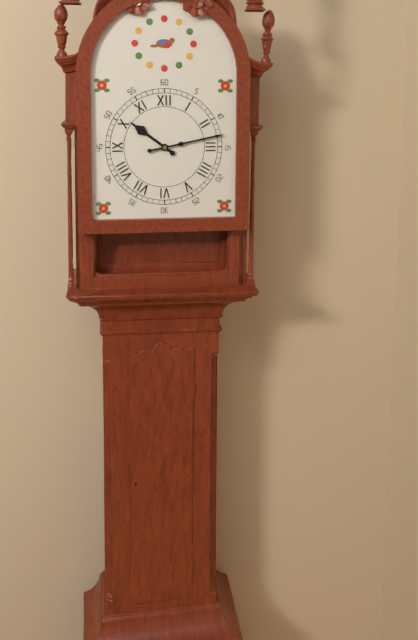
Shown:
10 h 13 min
